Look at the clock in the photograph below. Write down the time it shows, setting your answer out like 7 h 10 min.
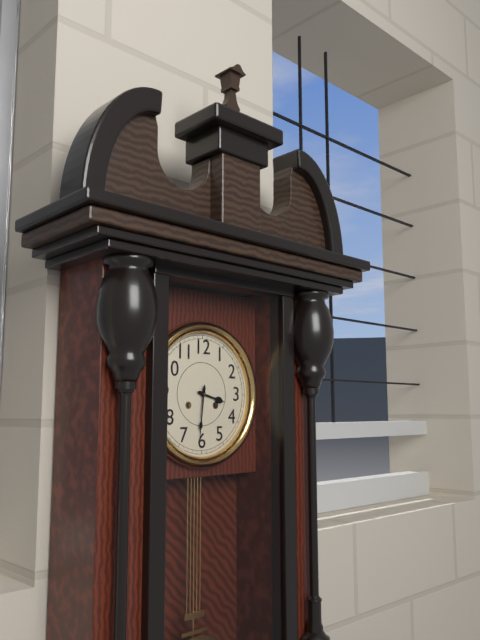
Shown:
3 h 31 min
